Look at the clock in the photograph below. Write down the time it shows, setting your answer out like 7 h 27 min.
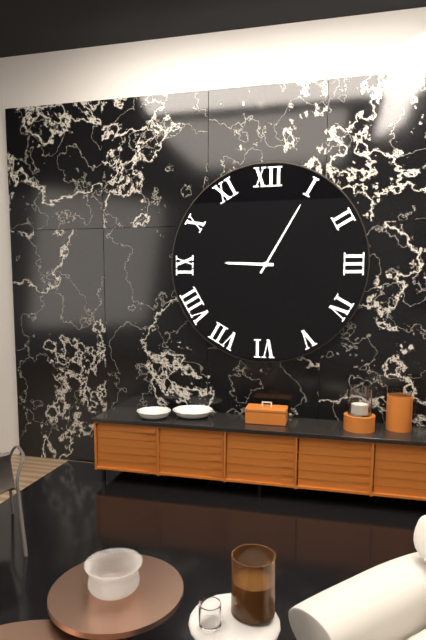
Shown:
9 h 05 min
